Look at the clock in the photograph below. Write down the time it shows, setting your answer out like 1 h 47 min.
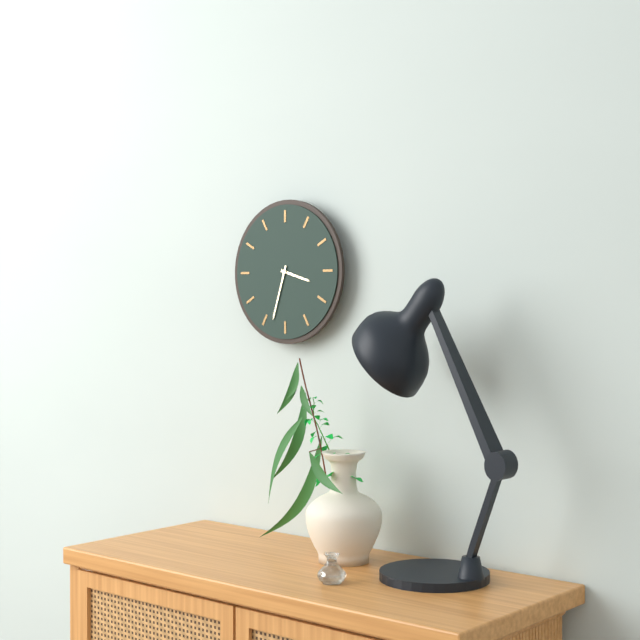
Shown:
3 h 33 min
